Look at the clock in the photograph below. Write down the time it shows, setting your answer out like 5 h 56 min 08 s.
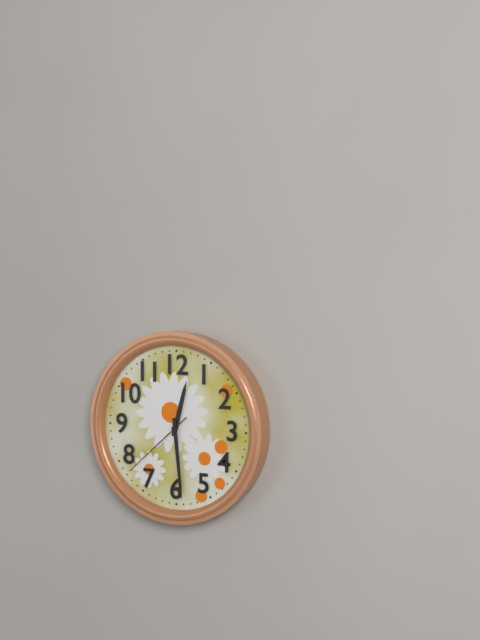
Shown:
12 h 29 min 38 s
